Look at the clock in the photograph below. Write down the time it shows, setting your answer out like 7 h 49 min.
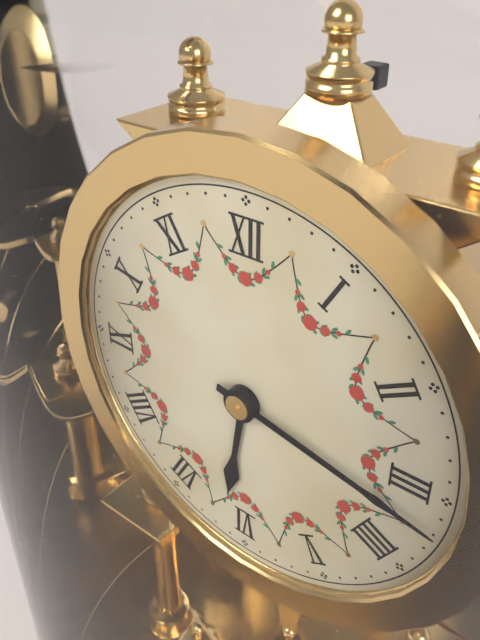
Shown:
6 h 17 min
